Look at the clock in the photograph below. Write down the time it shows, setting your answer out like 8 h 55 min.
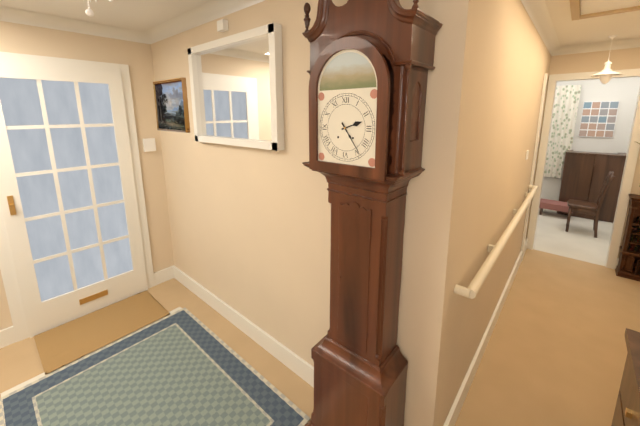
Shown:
2 h 24 min
